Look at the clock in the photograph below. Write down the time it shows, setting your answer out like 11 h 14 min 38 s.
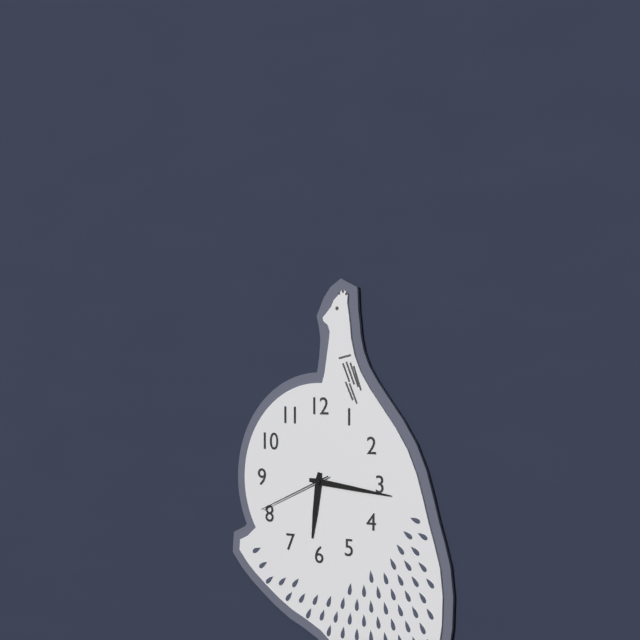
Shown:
6 h 16 min 41 s
